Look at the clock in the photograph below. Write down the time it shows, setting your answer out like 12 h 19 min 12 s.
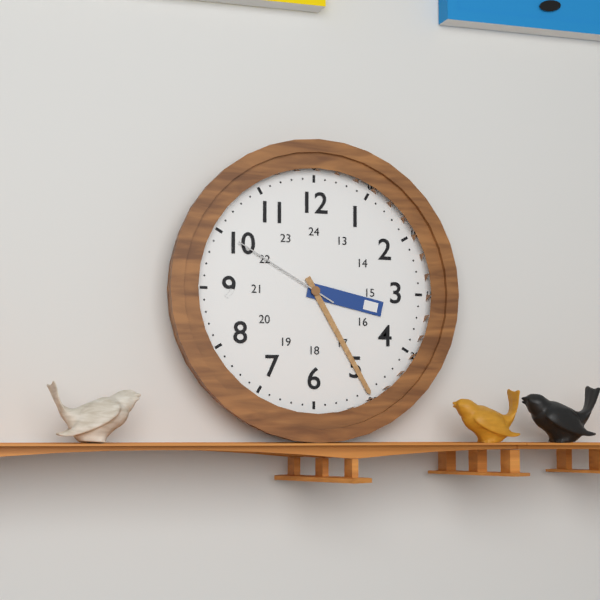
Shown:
3 h 25 min 50 s
